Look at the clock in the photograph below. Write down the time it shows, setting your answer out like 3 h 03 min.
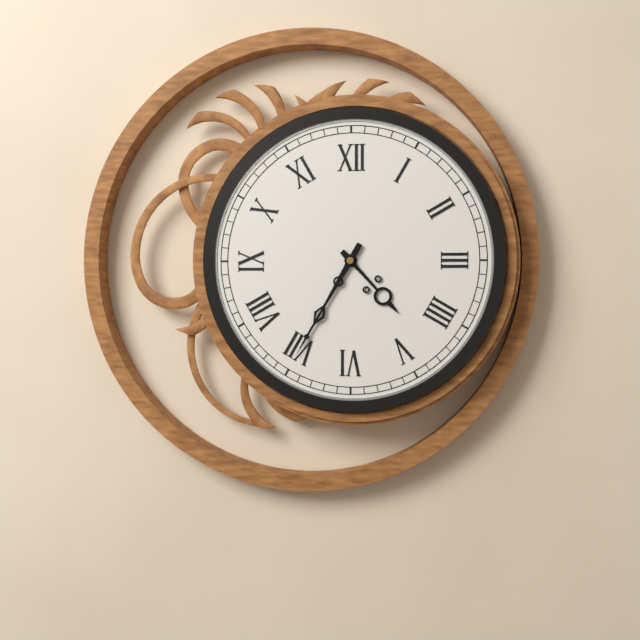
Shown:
4 h 35 min
